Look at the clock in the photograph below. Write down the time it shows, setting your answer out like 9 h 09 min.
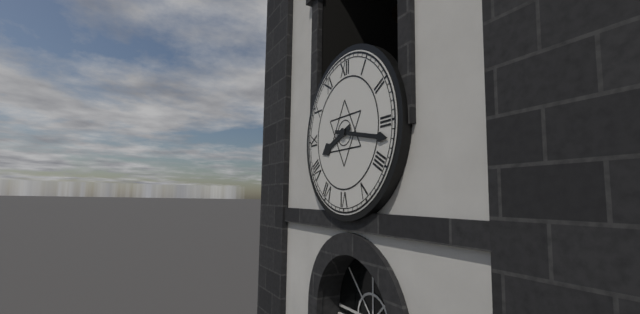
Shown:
8 h 17 min
